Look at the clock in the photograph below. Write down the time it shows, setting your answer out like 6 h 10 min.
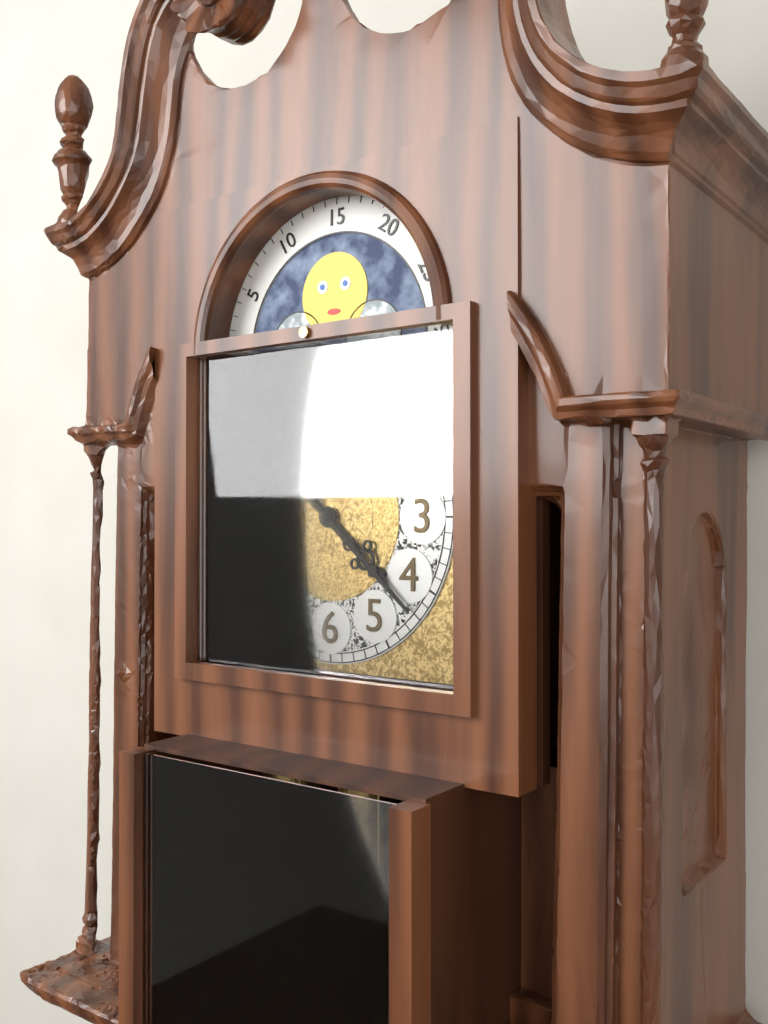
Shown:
4 h 22 min
